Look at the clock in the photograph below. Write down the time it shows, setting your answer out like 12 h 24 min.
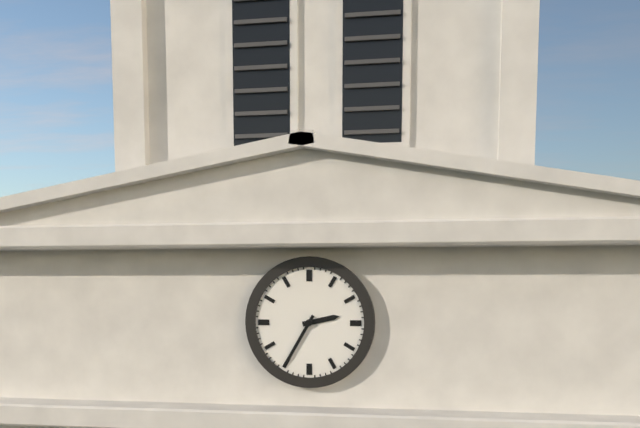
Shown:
2 h 35 min
